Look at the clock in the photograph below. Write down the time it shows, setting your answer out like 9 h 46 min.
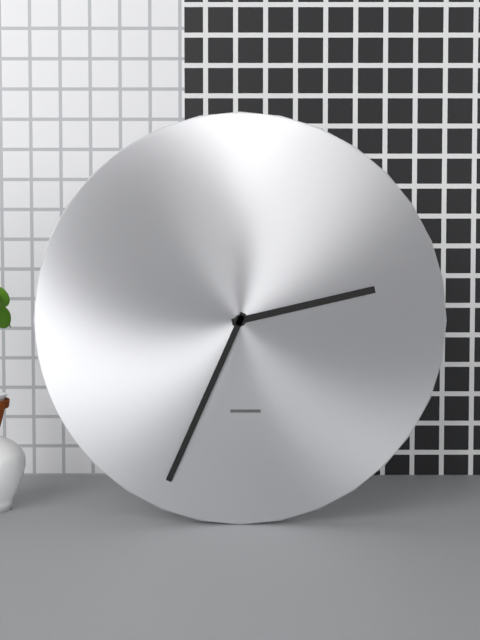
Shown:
2 h 34 min
